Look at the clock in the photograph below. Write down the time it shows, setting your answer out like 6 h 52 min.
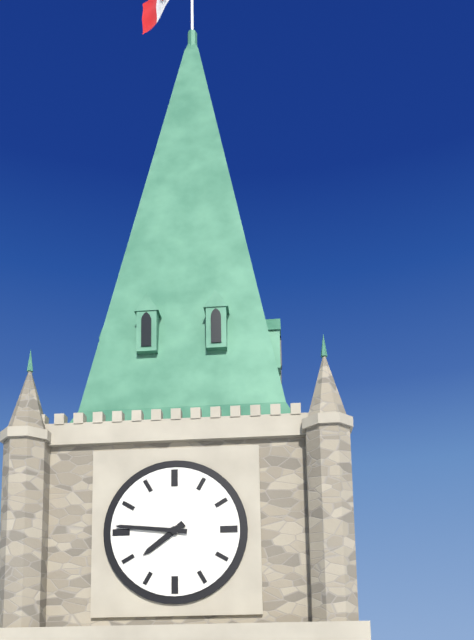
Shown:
7 h 46 min
